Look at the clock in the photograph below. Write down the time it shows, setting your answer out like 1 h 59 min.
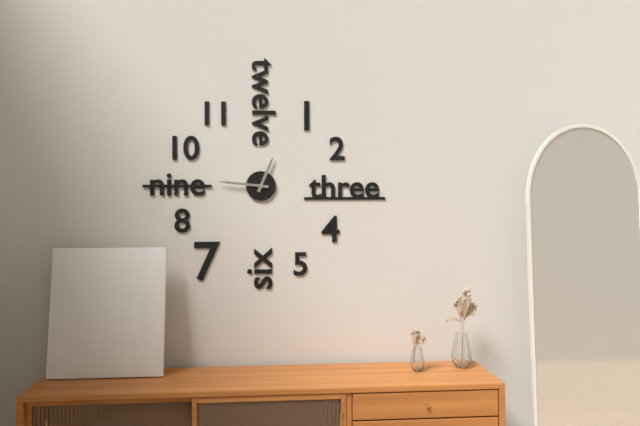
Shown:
12 h 46 min
